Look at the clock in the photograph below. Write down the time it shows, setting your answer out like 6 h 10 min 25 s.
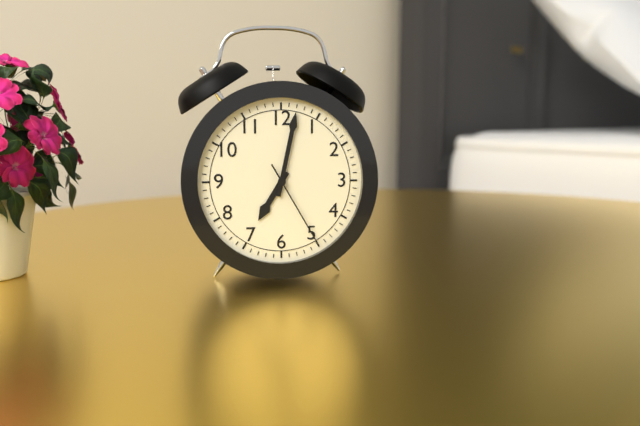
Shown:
7 h 02 min 25 s
